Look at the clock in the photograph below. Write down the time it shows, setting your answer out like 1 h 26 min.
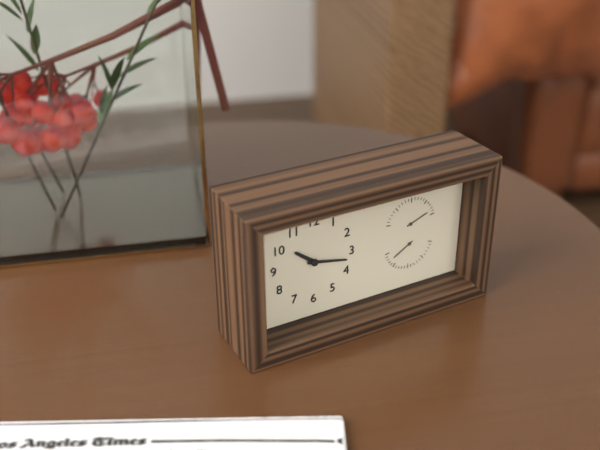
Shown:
10 h 17 min
